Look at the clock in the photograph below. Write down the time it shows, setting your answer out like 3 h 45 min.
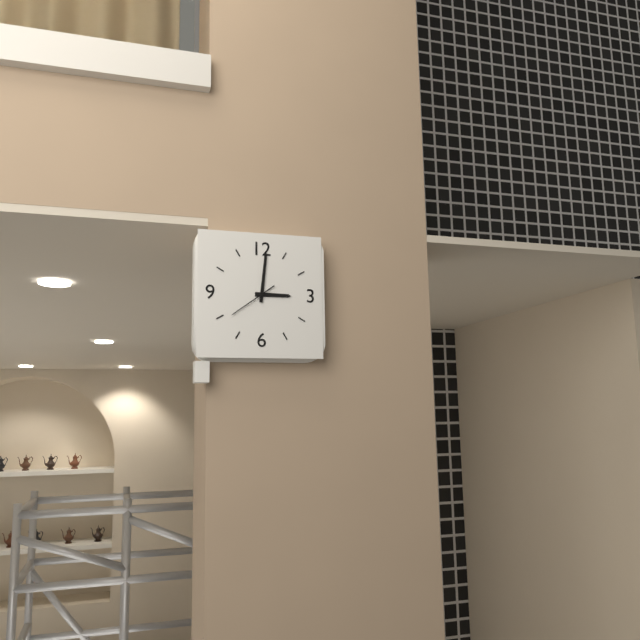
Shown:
3 h 01 min
